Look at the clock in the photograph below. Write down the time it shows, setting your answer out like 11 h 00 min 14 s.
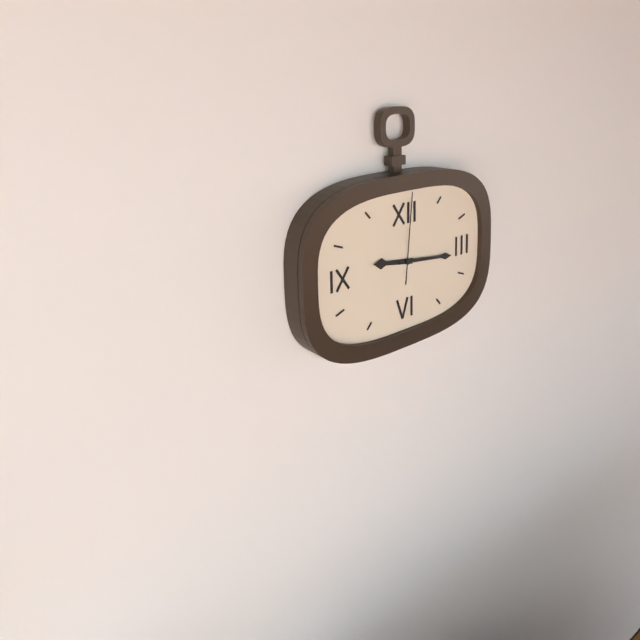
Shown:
9 h 16 min 01 s
